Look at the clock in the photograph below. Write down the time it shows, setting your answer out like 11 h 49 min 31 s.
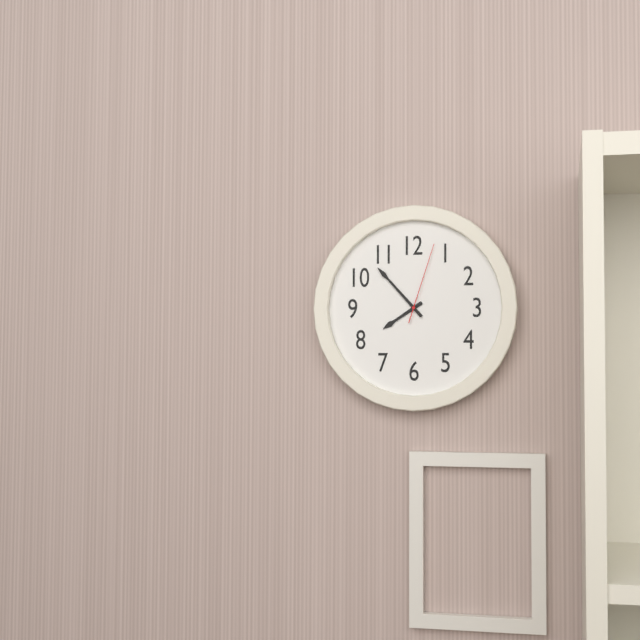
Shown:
7 h 53 min 03 s
